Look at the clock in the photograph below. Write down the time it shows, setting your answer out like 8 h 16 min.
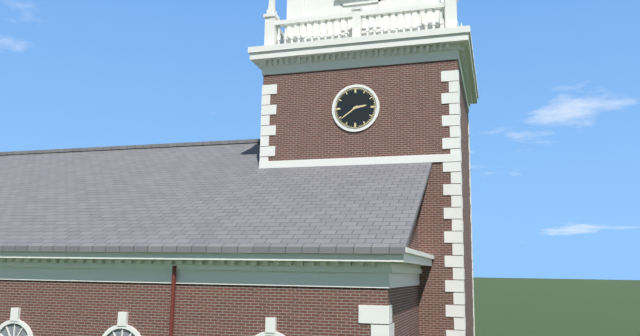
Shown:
2 h 39 min
